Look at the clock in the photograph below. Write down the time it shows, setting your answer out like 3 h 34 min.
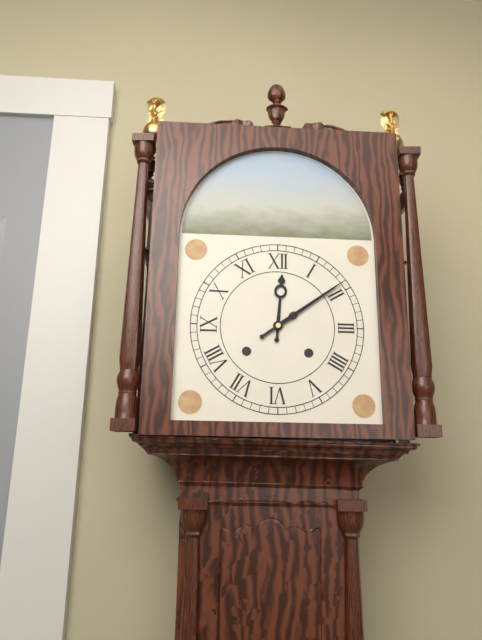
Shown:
12 h 09 min
